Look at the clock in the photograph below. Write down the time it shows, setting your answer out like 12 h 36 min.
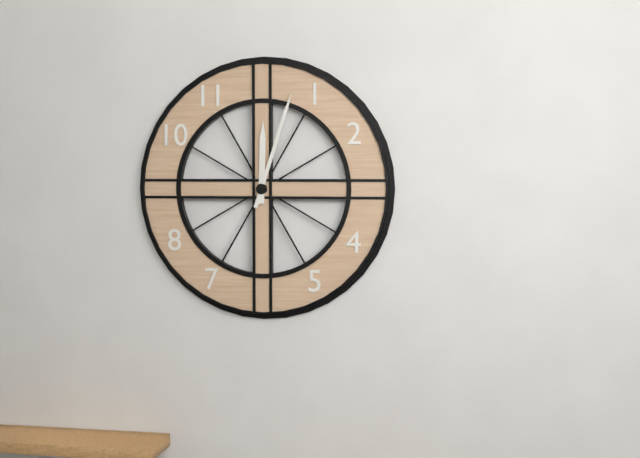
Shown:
12 h 03 min
